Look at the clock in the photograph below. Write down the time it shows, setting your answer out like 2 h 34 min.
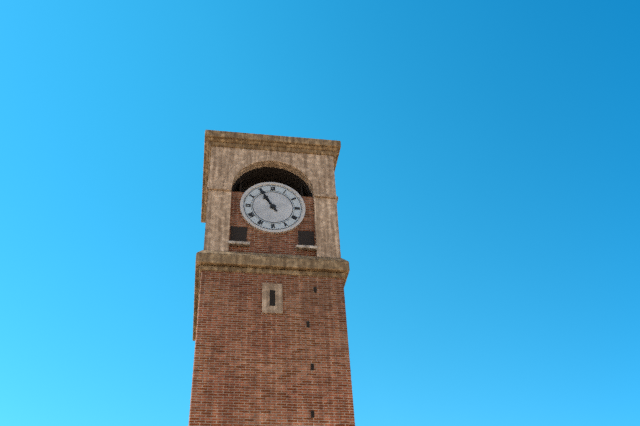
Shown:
10 h 55 min
